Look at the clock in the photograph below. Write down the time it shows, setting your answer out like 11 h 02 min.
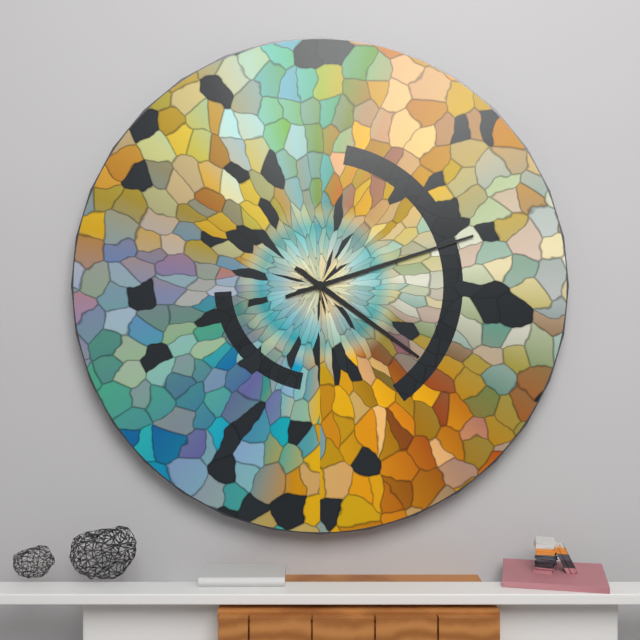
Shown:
4 h 12 min
